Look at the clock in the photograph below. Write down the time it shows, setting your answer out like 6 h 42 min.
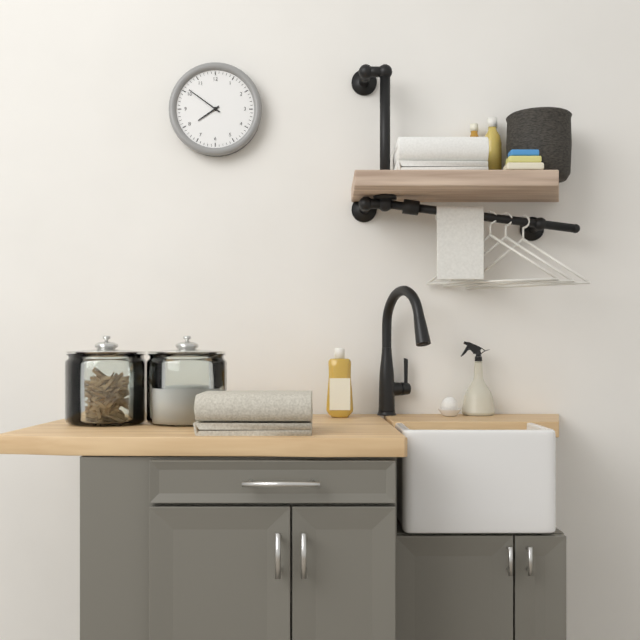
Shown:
7 h 51 min
